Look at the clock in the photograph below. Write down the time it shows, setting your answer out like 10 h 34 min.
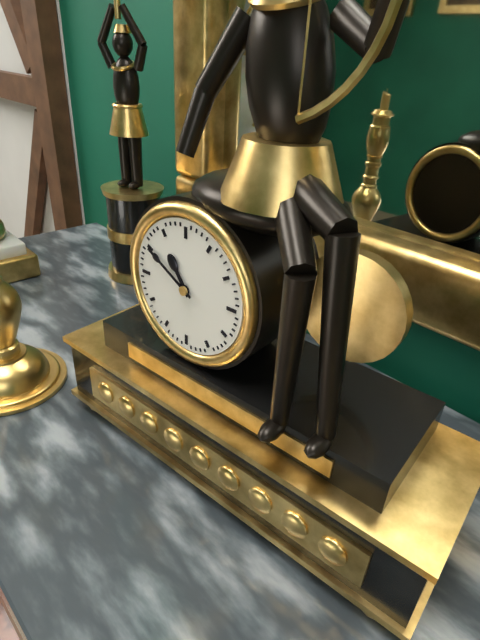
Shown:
10 h 50 min
